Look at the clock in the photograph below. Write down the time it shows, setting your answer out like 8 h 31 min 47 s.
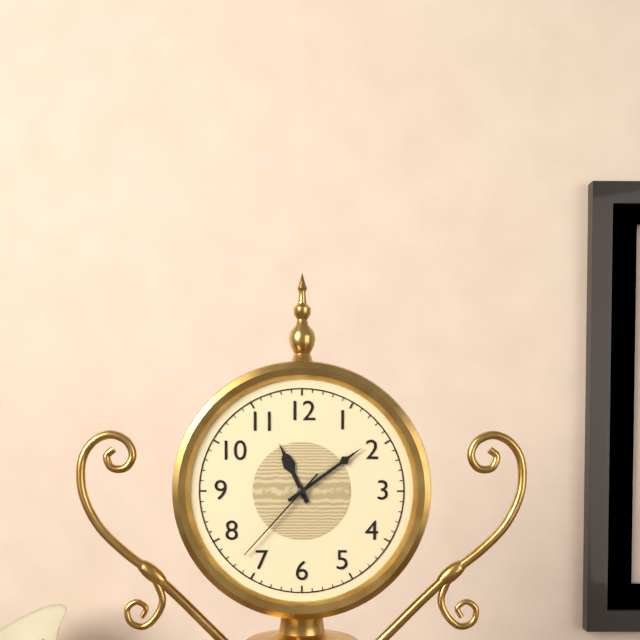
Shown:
11 h 09 min 37 s
